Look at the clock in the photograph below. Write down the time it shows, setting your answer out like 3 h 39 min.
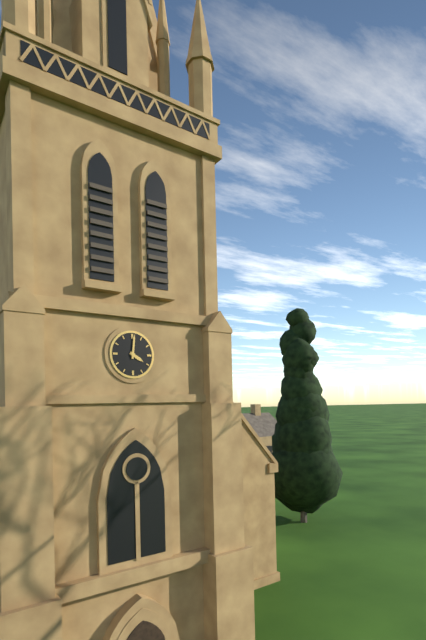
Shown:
4 h 01 min
